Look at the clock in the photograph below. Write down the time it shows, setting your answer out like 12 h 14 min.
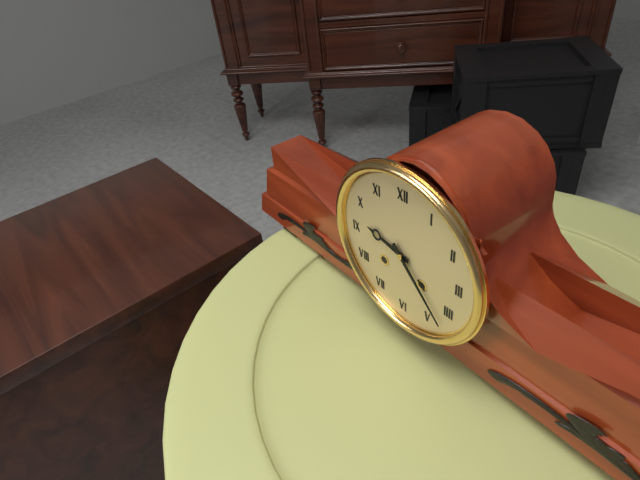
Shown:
9 h 23 min
